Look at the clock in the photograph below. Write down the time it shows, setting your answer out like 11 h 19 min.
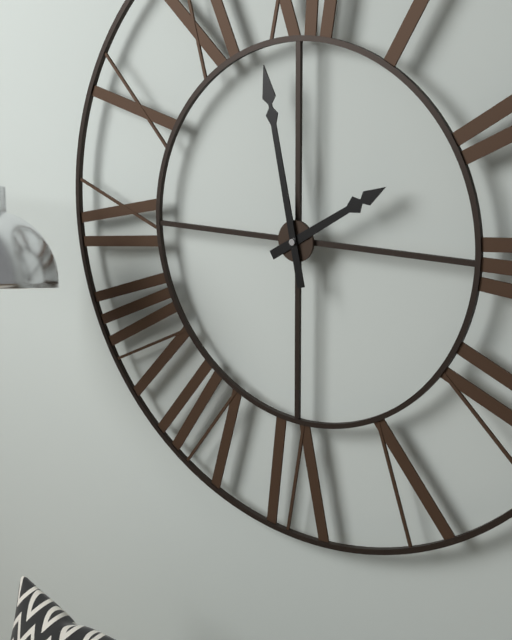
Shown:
1 h 58 min
